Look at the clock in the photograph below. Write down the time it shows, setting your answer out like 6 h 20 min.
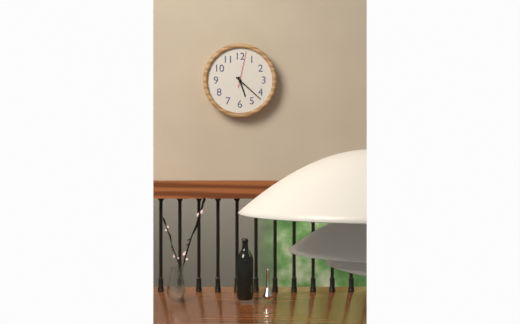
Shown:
5 h 22 min
